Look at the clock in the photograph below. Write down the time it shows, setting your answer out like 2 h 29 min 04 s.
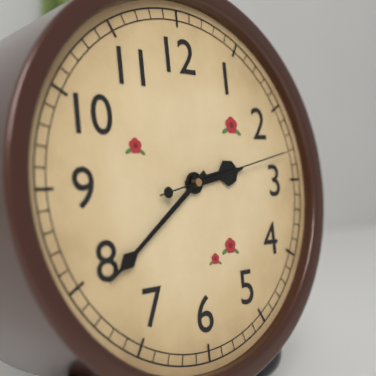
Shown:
2 h 39 min 13 s
